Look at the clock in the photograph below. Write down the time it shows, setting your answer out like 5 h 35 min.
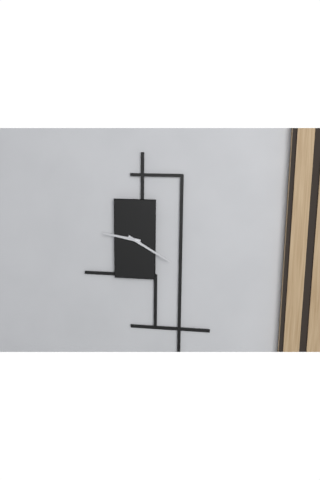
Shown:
9 h 20 min
